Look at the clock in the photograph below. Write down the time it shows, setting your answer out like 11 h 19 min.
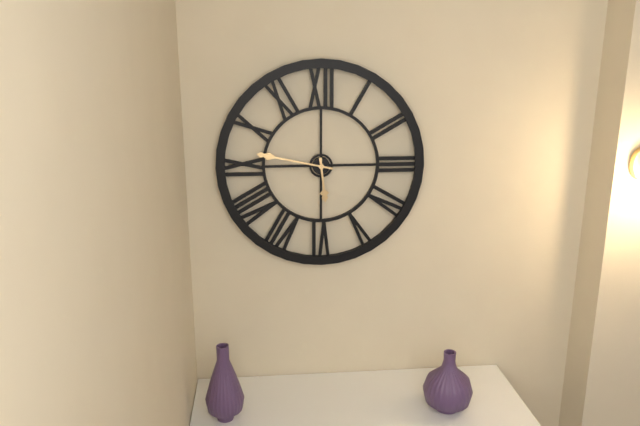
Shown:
5 h 47 min
